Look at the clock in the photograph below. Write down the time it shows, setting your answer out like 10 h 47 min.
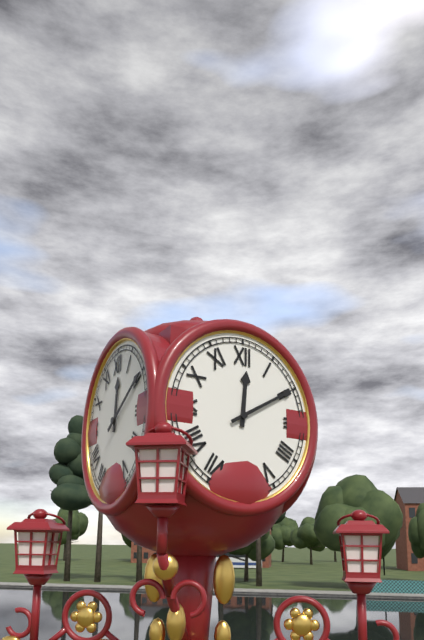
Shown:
12 h 10 min
